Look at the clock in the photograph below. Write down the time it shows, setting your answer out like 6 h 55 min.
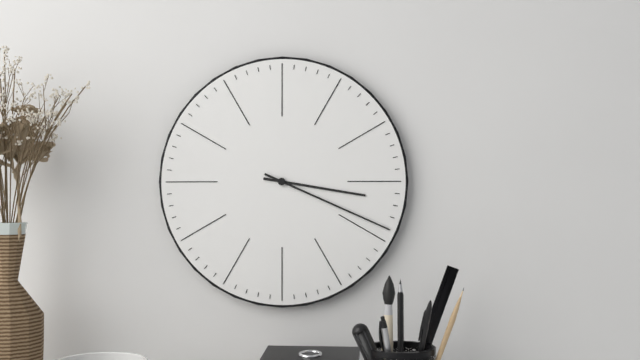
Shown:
3 h 19 min
